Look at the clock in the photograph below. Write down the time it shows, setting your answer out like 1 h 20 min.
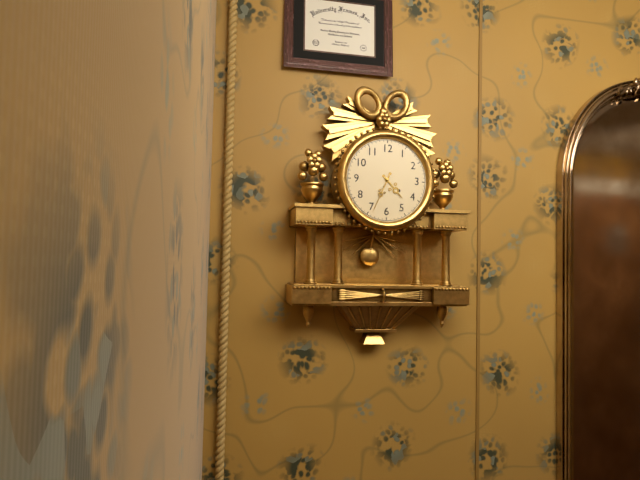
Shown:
4 h 34 min
